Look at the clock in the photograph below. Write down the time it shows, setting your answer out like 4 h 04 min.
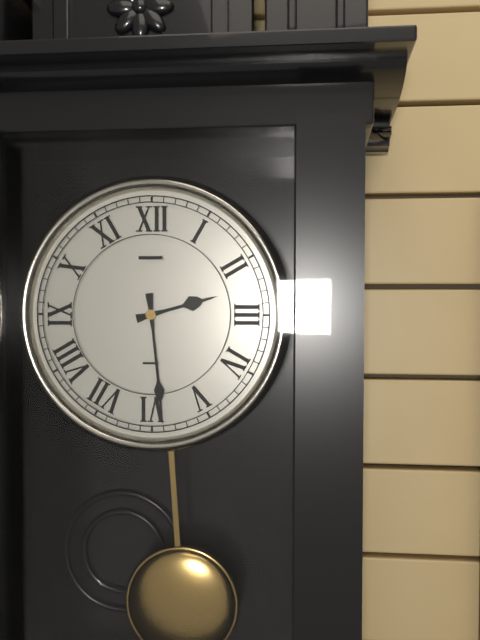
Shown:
2 h 29 min
